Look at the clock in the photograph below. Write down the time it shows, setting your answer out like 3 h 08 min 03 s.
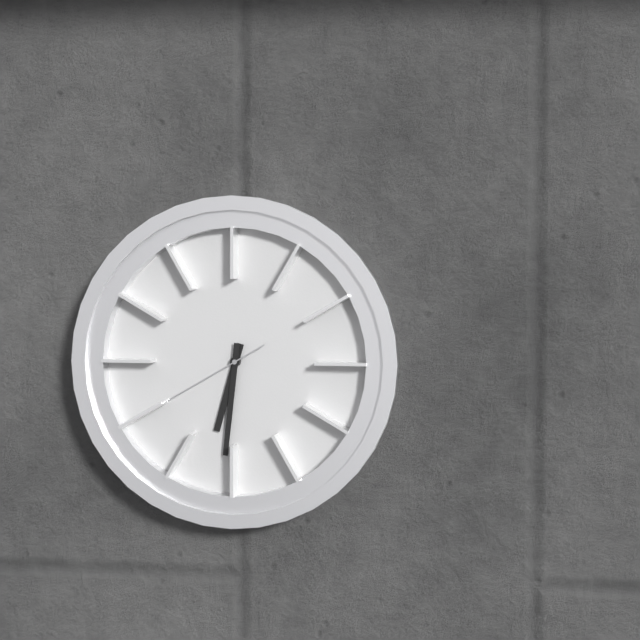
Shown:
6 h 31 min 40 s
